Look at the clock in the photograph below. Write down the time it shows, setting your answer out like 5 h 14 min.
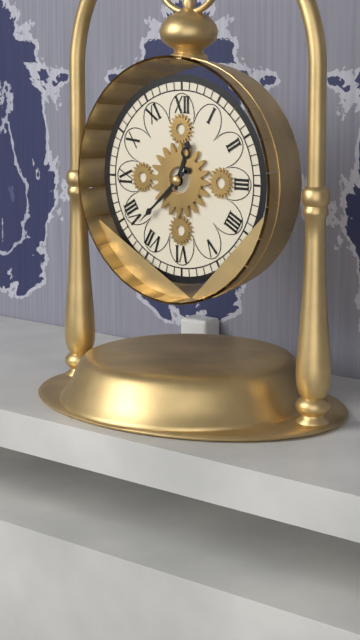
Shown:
12 h 38 min
